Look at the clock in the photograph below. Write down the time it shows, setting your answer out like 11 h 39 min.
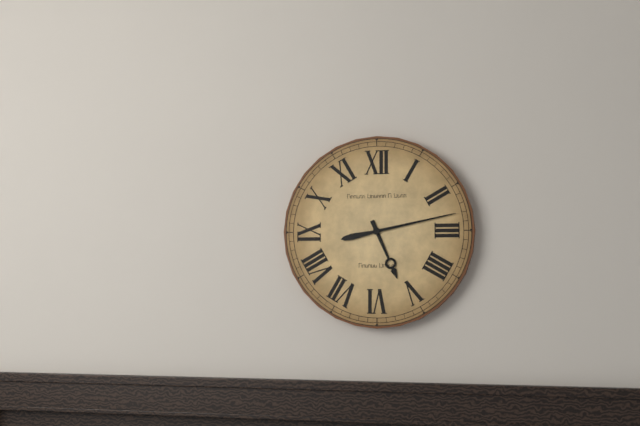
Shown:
5 h 13 min
